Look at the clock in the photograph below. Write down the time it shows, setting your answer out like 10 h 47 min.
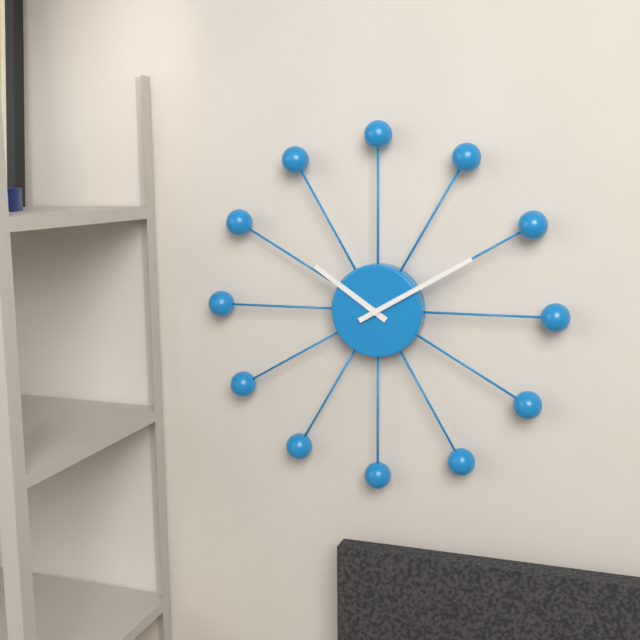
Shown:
10 h 10 min
